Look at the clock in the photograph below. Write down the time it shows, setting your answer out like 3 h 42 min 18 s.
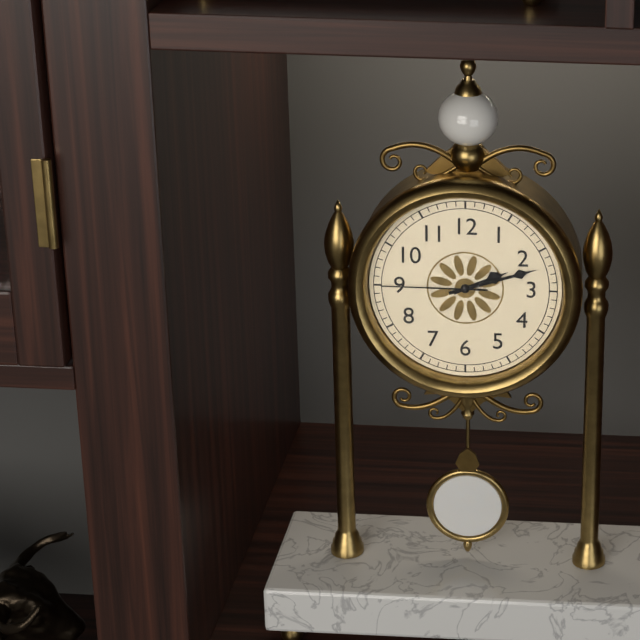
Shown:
2 h 12 min 45 s
